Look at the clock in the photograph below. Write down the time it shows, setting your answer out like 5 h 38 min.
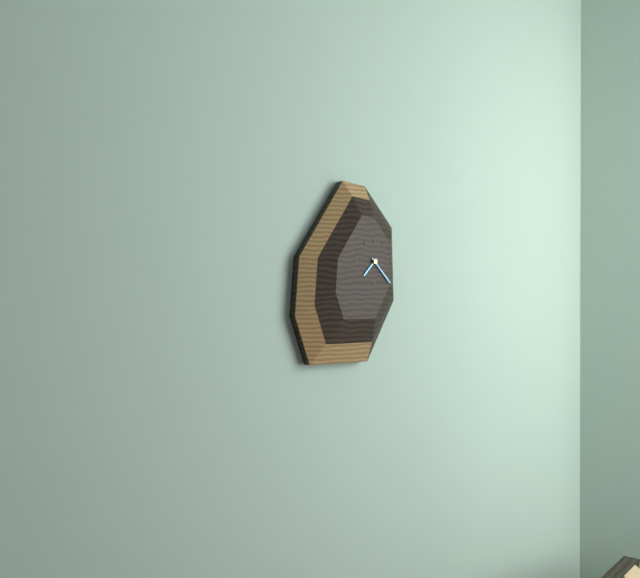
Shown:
7 h 23 min
